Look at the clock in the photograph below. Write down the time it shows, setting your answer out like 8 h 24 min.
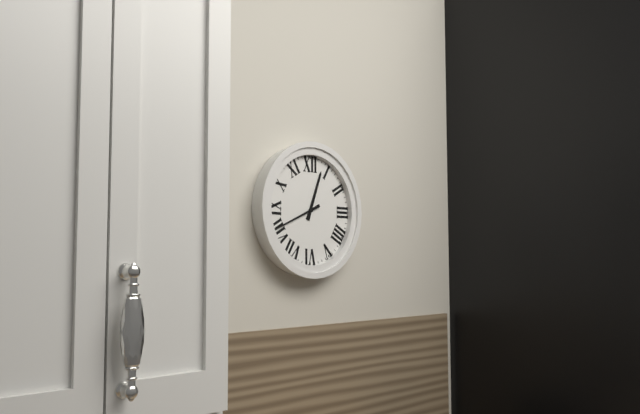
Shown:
12 h 41 min
